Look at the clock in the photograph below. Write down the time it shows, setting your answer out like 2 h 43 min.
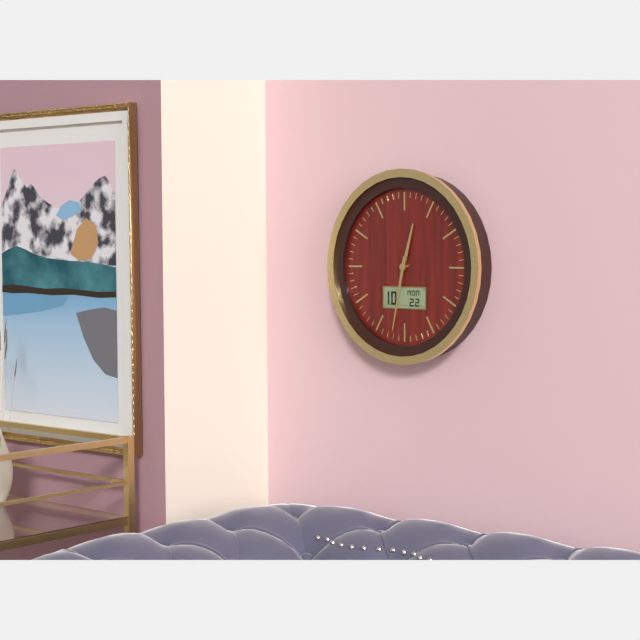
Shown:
12 h 32 min
